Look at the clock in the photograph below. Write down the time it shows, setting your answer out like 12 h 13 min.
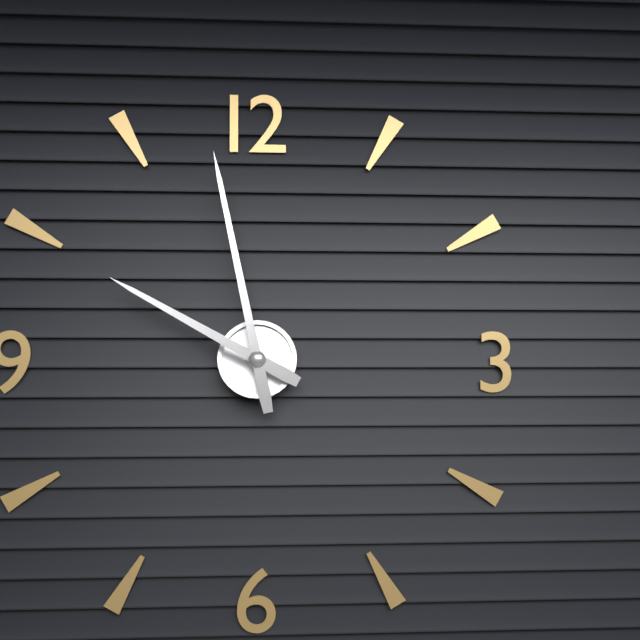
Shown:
9 h 58 min
